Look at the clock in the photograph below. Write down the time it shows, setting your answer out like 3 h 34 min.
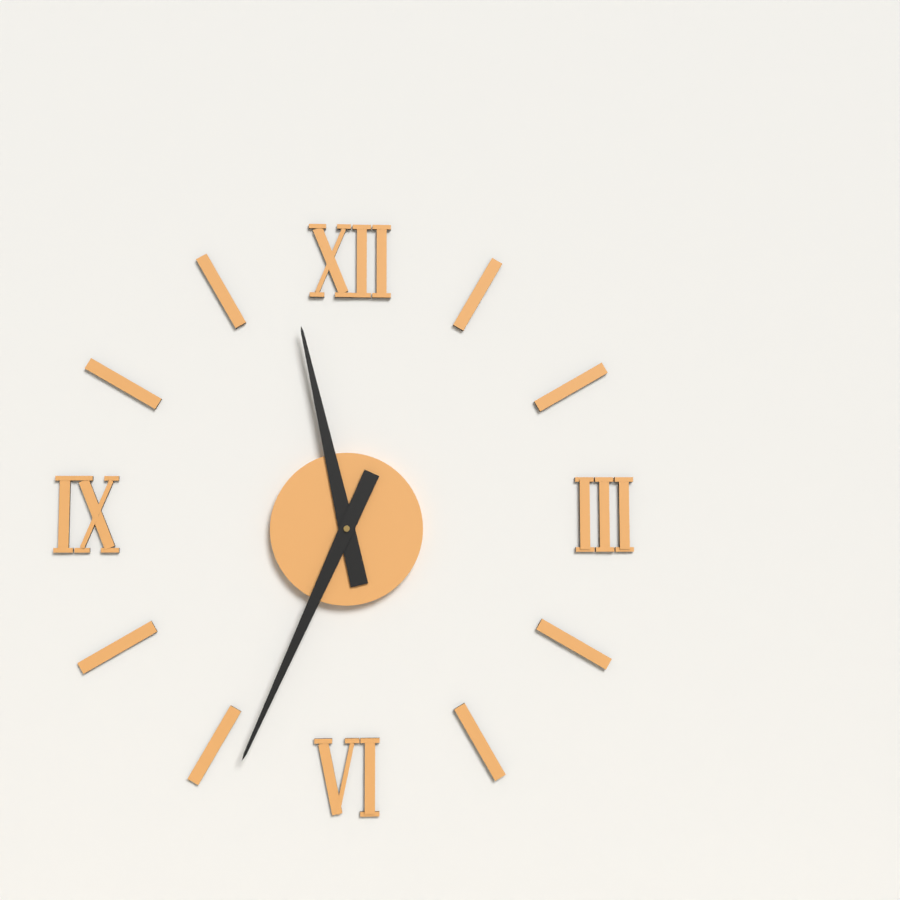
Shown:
11 h 34 min
